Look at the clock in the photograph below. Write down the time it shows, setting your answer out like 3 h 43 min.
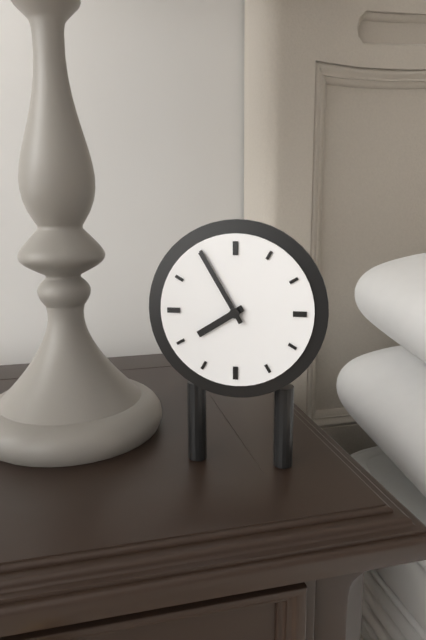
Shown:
7 h 55 min
